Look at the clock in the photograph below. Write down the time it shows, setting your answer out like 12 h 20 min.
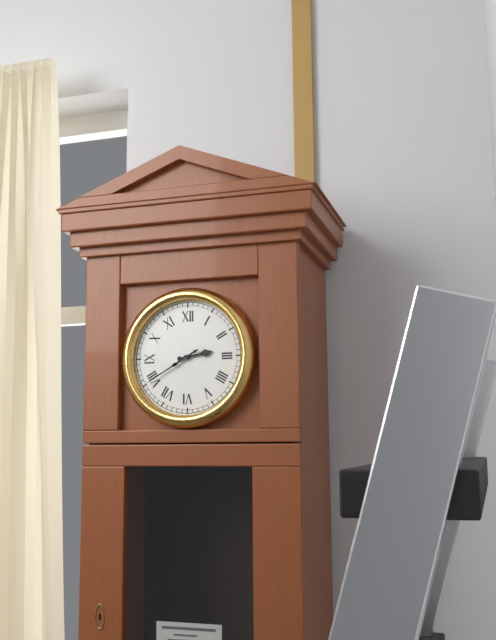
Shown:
2 h 40 min
